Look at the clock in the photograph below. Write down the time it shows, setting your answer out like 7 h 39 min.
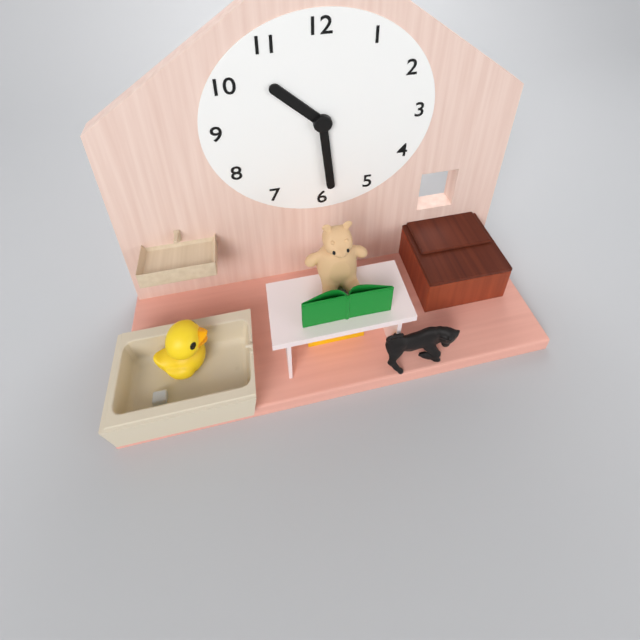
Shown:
10 h 29 min
